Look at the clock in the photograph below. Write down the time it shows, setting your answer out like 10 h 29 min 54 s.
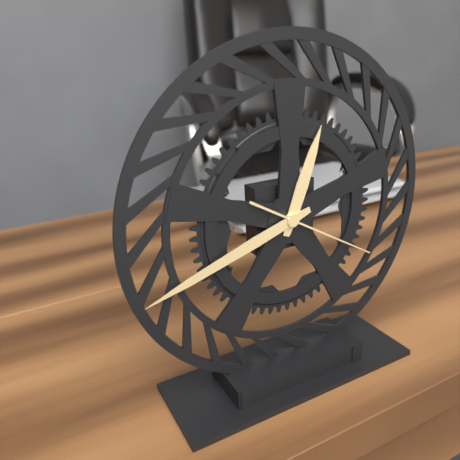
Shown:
12 h 42 min 20 s
